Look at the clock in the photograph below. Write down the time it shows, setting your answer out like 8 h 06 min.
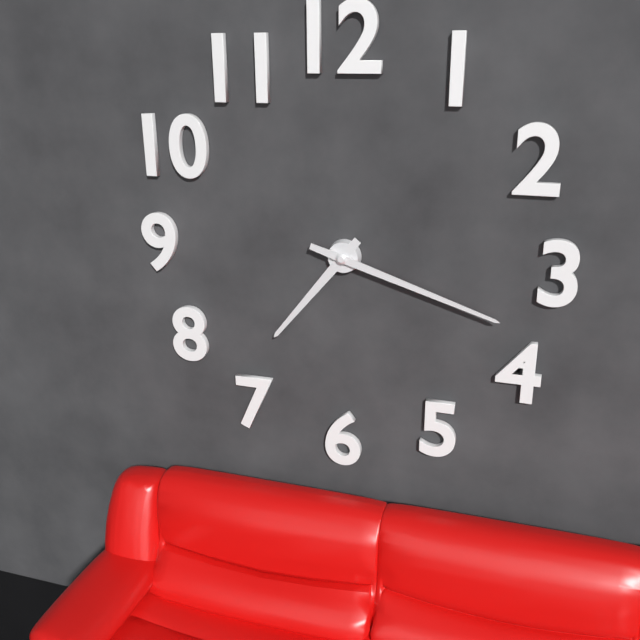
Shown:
7 h 18 min
